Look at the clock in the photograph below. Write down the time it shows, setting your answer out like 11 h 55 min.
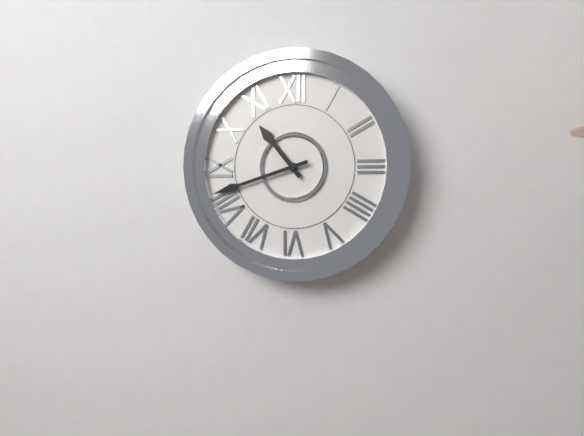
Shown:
10 h 42 min
